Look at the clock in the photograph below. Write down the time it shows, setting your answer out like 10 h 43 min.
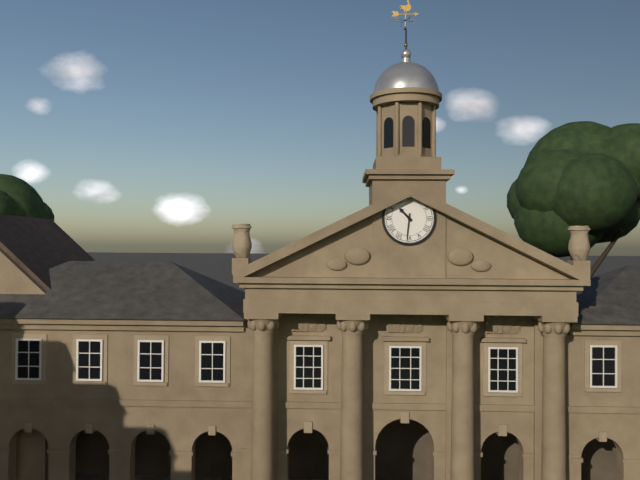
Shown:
10 h 31 min
